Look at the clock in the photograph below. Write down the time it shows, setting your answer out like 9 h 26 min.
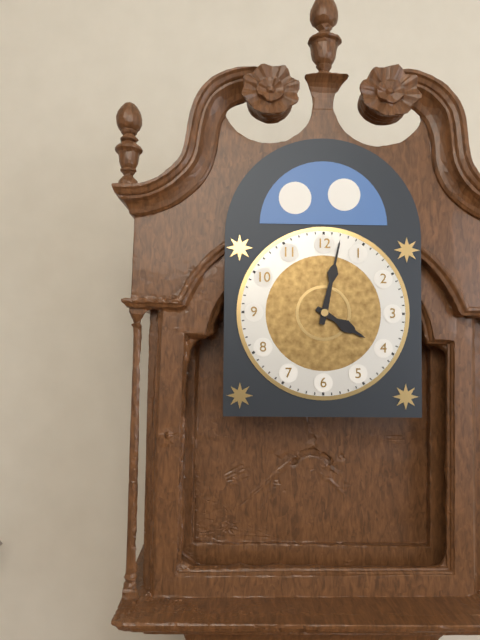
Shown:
4 h 02 min
